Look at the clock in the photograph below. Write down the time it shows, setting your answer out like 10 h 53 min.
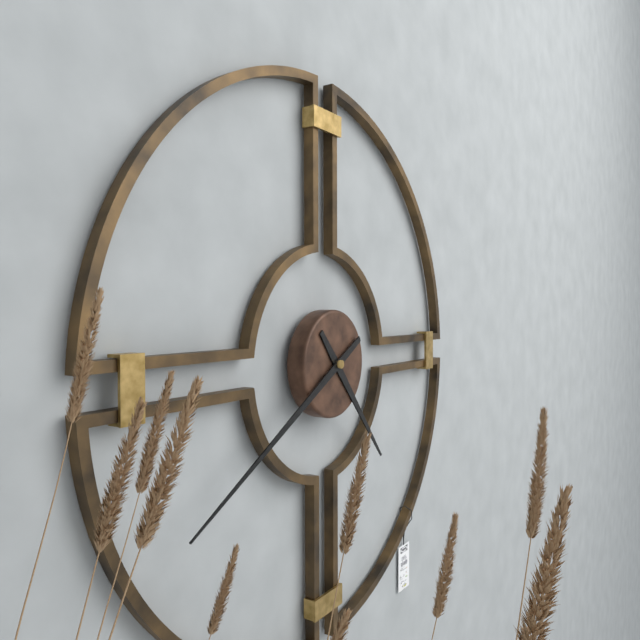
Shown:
4 h 40 min
